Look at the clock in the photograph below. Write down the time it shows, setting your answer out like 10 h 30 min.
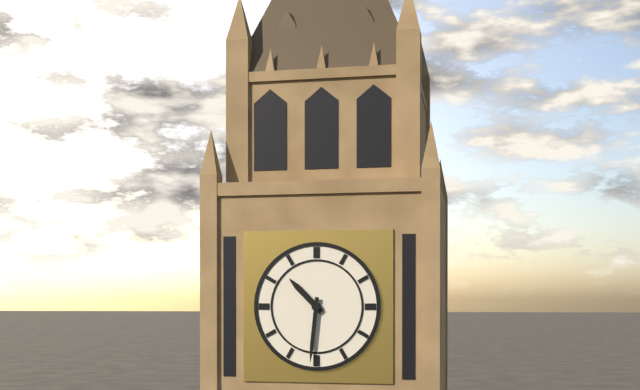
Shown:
10 h 31 min
